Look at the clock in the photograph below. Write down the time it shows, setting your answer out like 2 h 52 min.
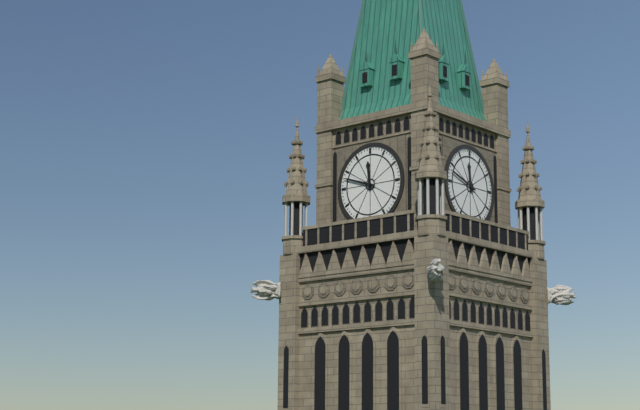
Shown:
11 h 48 min
